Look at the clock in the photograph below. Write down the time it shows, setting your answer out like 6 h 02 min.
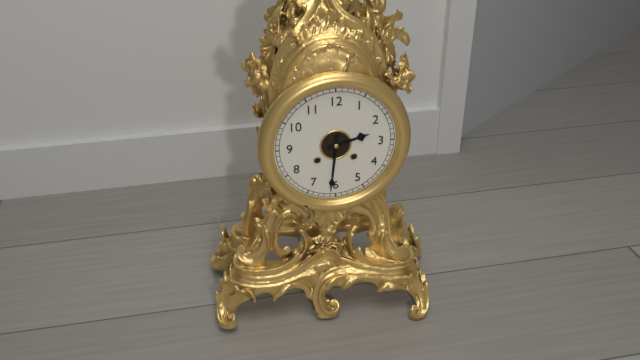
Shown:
2 h 31 min
